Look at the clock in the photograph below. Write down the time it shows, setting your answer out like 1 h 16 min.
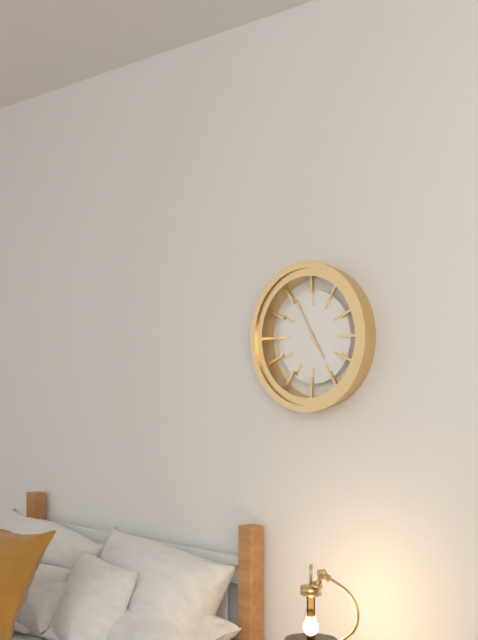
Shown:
4 h 55 min
